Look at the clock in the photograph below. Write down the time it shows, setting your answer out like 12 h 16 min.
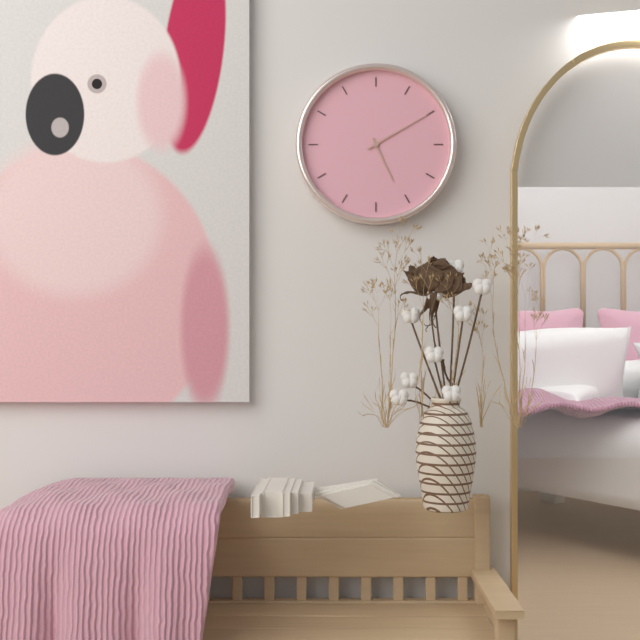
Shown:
5 h 10 min
